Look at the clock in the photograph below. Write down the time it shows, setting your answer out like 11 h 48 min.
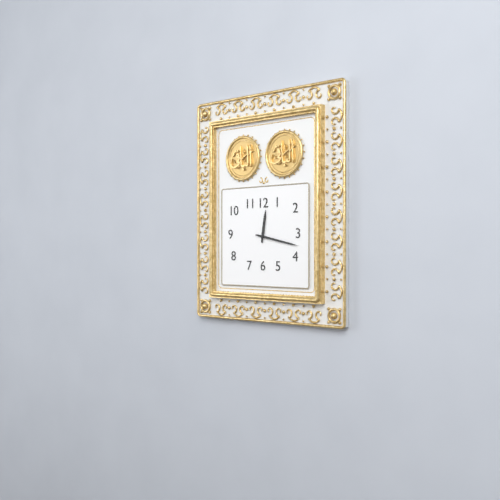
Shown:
12 h 17 min
